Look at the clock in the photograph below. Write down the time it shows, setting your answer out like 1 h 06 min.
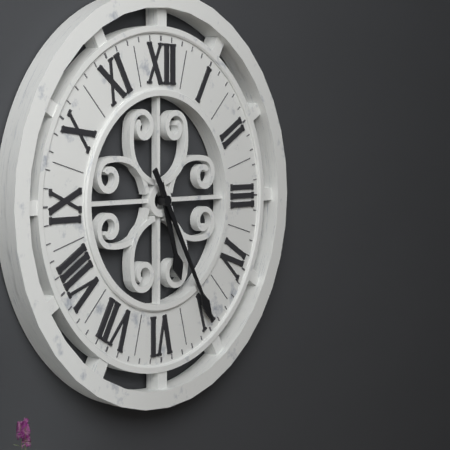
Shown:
5 h 25 min
